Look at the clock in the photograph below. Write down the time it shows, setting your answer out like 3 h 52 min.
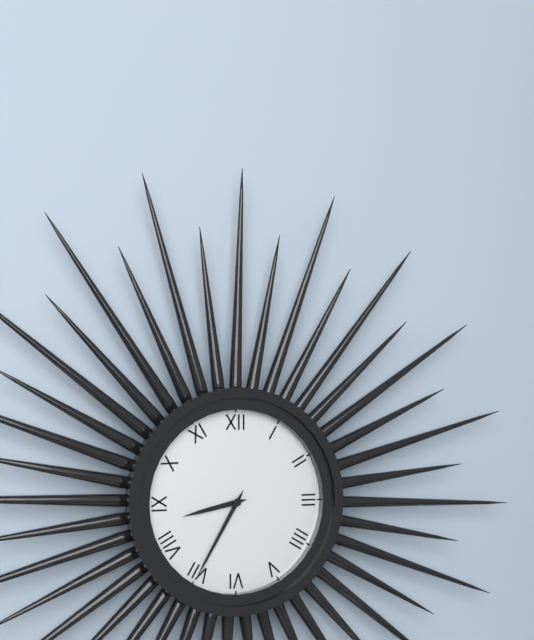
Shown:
8 h 35 min
